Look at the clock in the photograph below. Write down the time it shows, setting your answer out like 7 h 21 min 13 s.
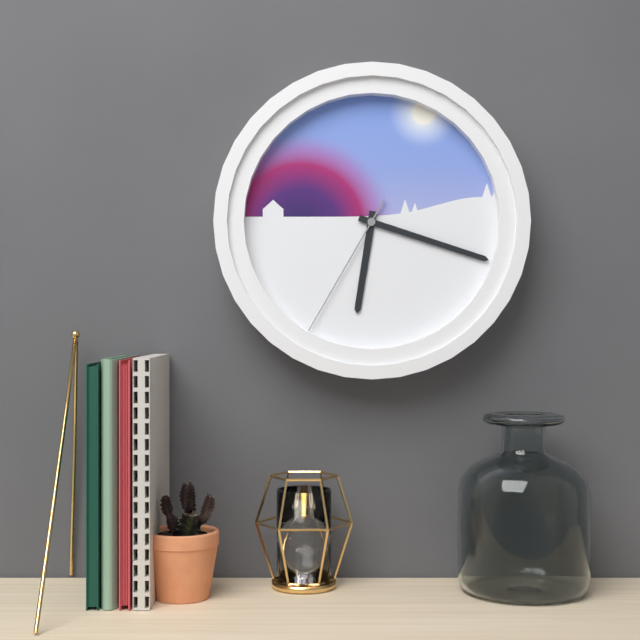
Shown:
6 h 18 min 35 s
